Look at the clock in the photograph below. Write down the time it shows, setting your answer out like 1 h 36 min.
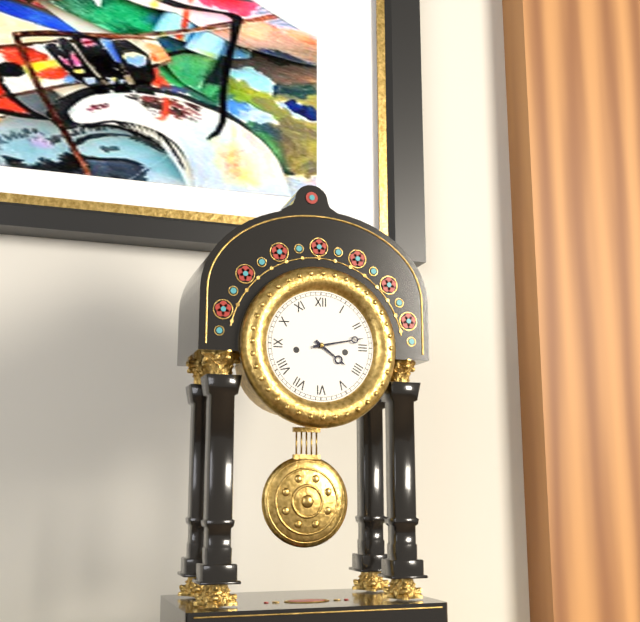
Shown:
4 h 13 min
